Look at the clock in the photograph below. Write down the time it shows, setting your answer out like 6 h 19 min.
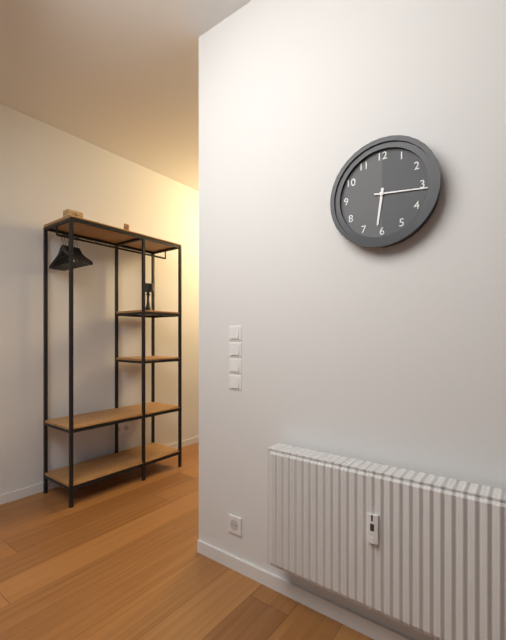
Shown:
6 h 16 min
